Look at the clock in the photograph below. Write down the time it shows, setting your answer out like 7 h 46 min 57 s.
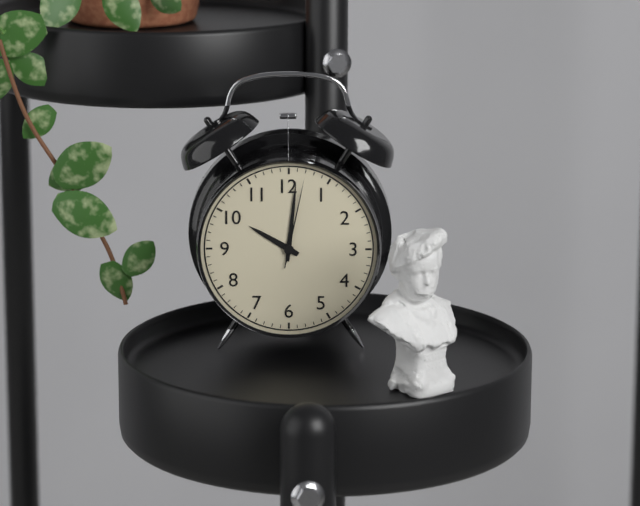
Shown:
10 h 01 min 02 s
